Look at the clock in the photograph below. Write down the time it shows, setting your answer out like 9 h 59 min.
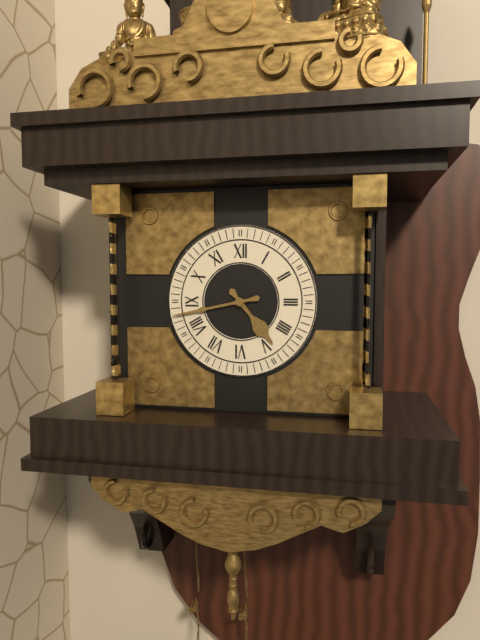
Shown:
4 h 43 min
